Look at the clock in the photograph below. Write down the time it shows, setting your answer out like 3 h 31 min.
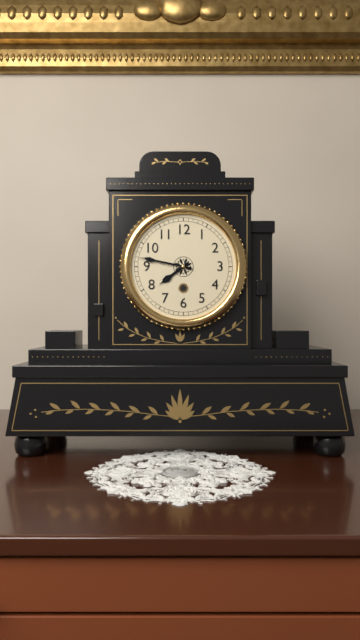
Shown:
7 h 47 min
